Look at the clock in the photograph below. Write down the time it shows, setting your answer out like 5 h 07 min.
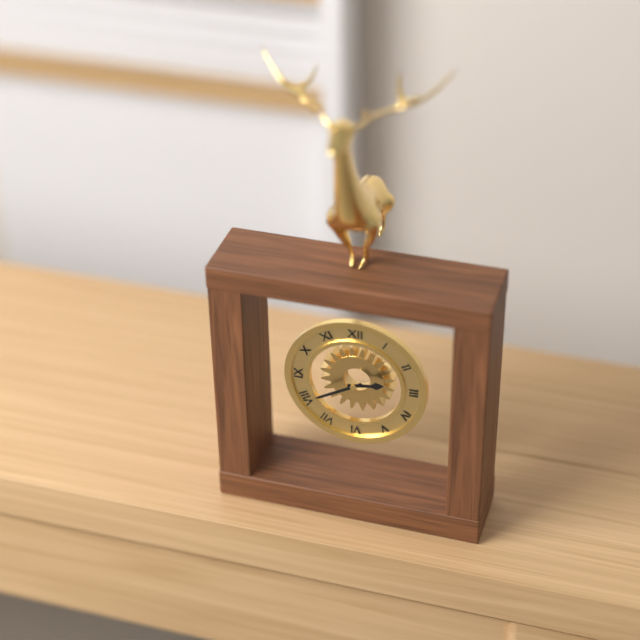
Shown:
2 h 40 min
